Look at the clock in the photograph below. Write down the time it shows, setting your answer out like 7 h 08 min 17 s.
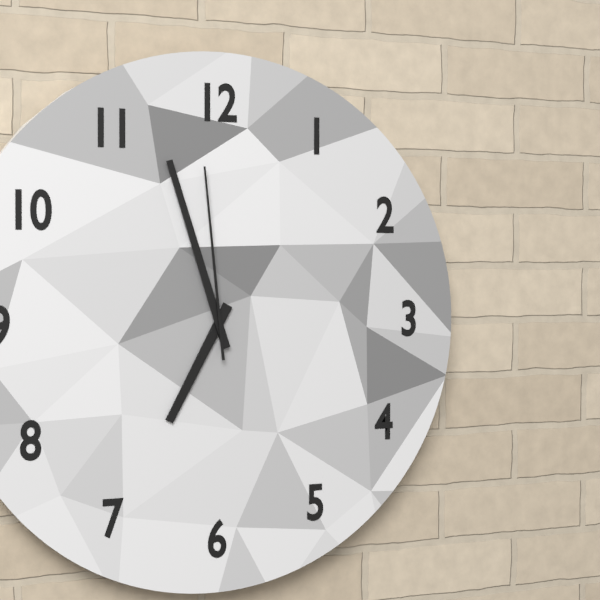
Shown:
6 h 57 min 59 s
